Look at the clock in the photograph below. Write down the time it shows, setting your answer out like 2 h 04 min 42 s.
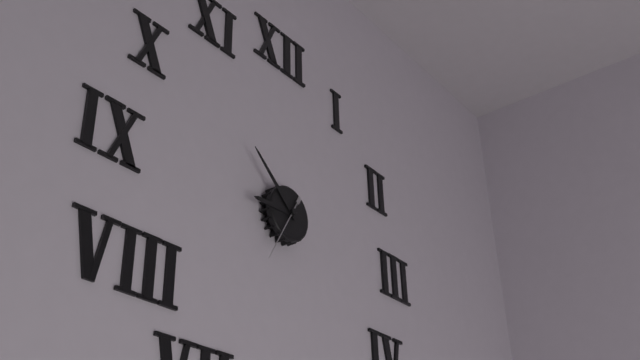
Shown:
8 h 52 min 35 s
